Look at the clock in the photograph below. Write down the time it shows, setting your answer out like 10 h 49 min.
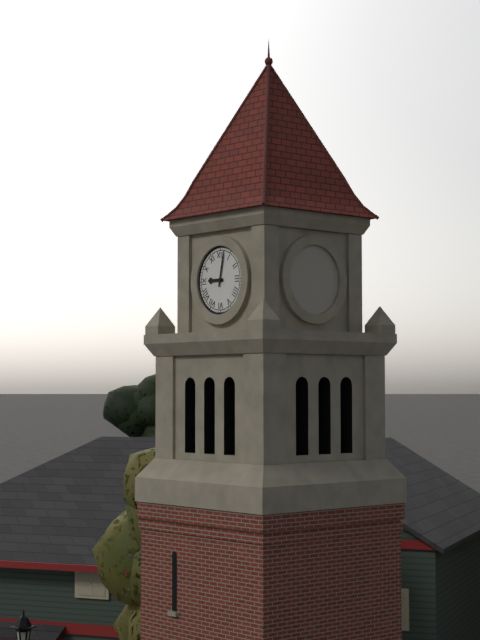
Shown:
9 h 02 min
